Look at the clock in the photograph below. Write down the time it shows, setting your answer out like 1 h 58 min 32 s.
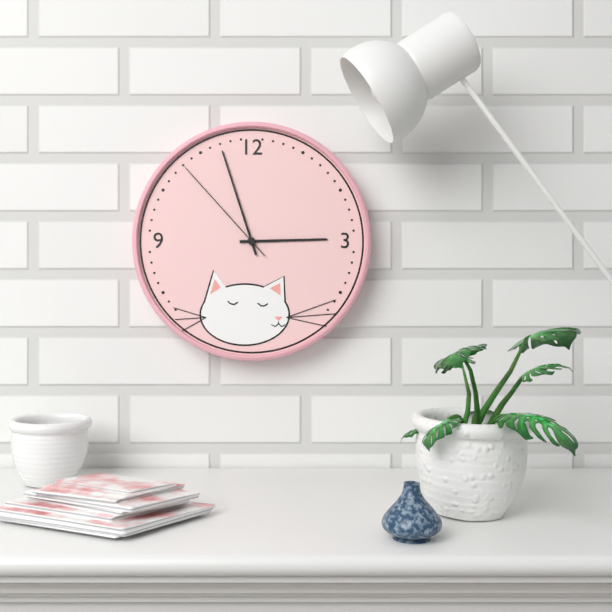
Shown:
2 h 57 min 53 s
